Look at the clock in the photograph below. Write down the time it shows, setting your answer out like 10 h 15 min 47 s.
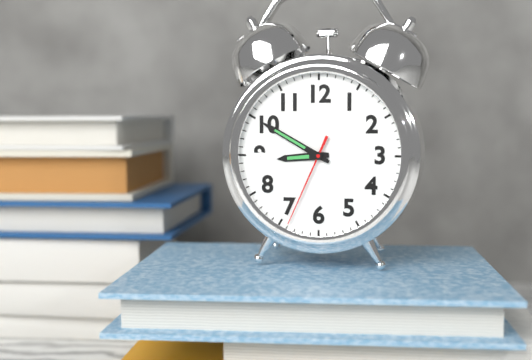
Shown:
8 h 50 min 34 s
